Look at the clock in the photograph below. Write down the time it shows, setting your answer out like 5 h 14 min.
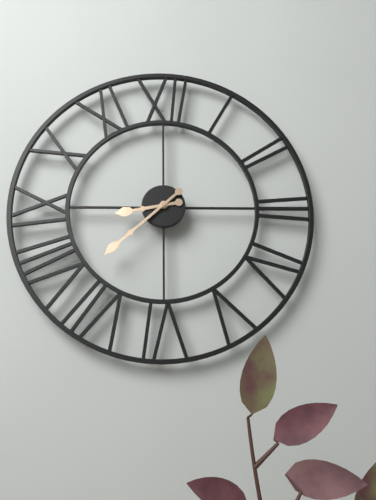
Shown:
8 h 38 min
